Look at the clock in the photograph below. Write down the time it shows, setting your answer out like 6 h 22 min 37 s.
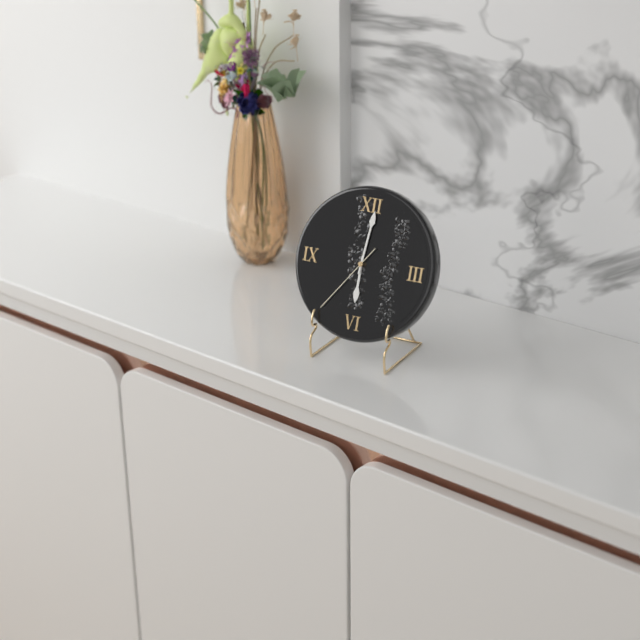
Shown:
6 h 01 min 36 s
